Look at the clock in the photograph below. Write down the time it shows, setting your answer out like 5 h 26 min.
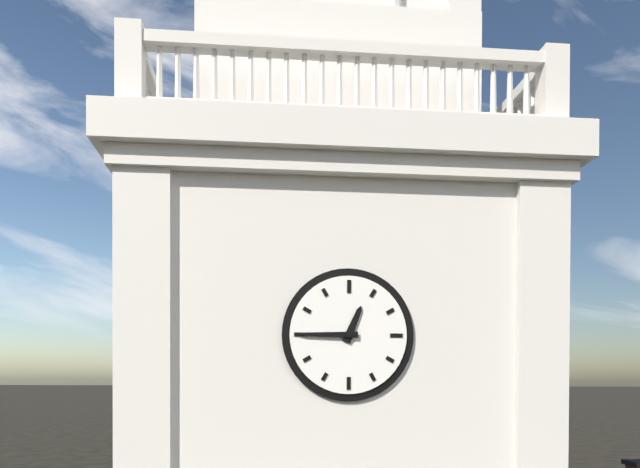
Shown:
12 h 45 min
